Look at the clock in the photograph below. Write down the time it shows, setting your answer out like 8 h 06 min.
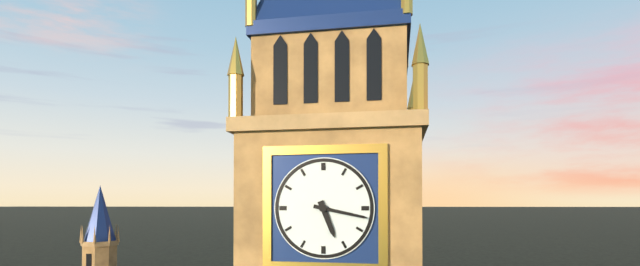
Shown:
5 h 17 min
